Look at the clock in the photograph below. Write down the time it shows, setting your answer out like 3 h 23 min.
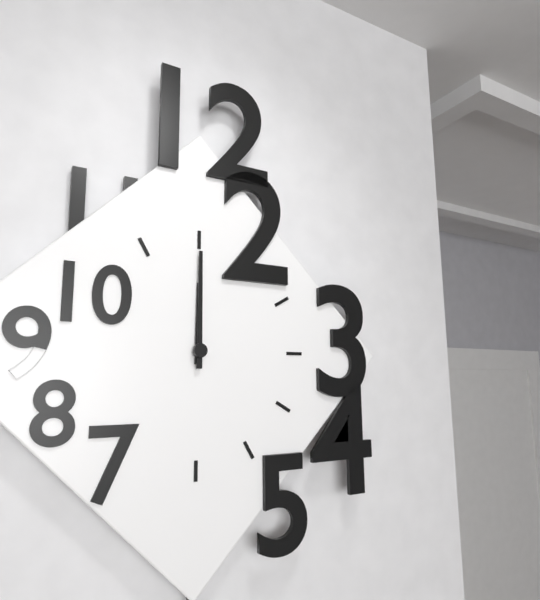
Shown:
12 h 00 min
